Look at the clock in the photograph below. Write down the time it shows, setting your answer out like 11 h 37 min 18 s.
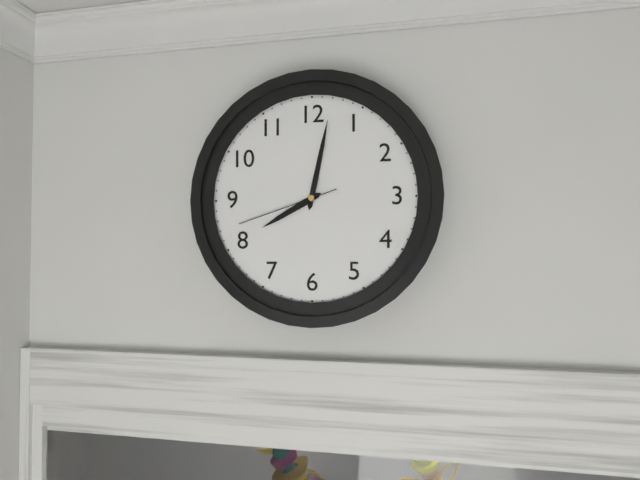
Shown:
8 h 02 min 42 s
